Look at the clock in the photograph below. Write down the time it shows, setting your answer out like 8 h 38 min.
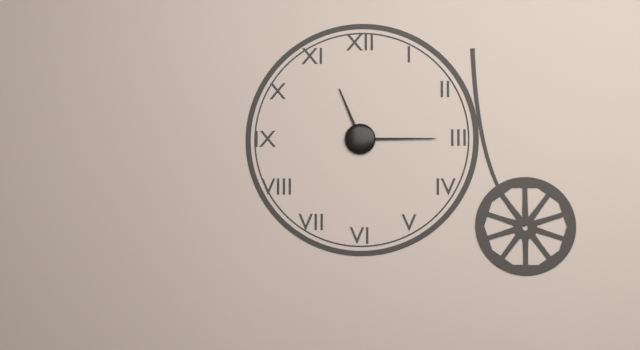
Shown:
11 h 15 min
